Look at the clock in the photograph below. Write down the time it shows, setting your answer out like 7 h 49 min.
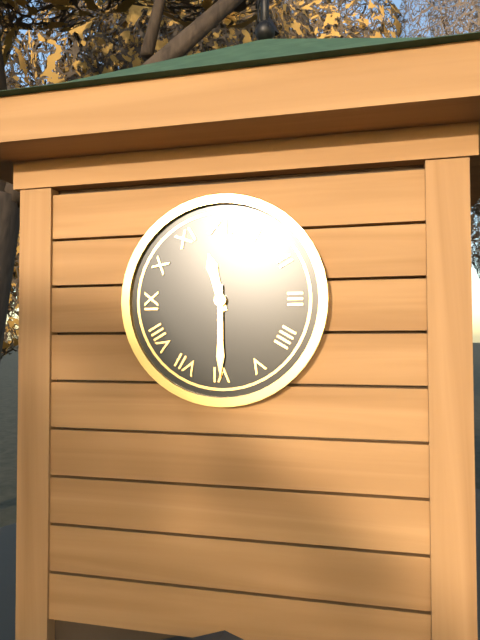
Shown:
11 h 30 min
